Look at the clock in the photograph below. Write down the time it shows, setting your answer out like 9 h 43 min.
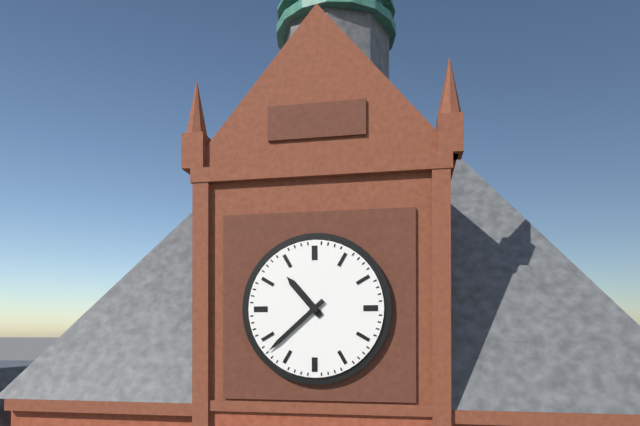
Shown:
10 h 38 min
